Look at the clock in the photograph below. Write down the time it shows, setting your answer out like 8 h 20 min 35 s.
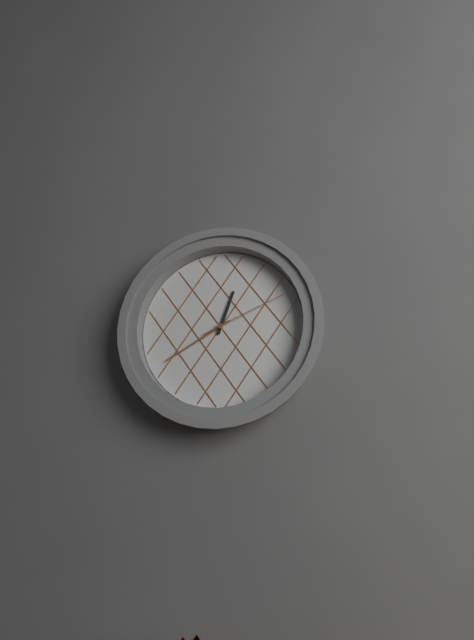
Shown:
12 h 40 min 11 s
